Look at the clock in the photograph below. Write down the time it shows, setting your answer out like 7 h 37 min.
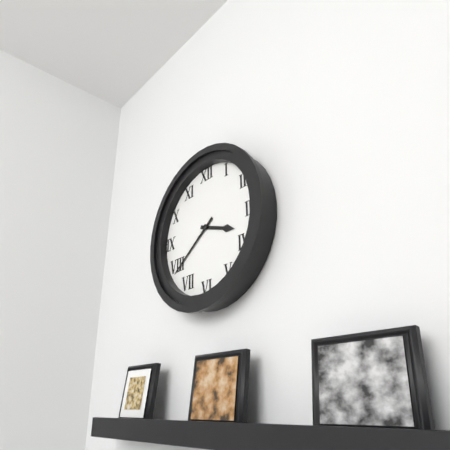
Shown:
3 h 39 min
